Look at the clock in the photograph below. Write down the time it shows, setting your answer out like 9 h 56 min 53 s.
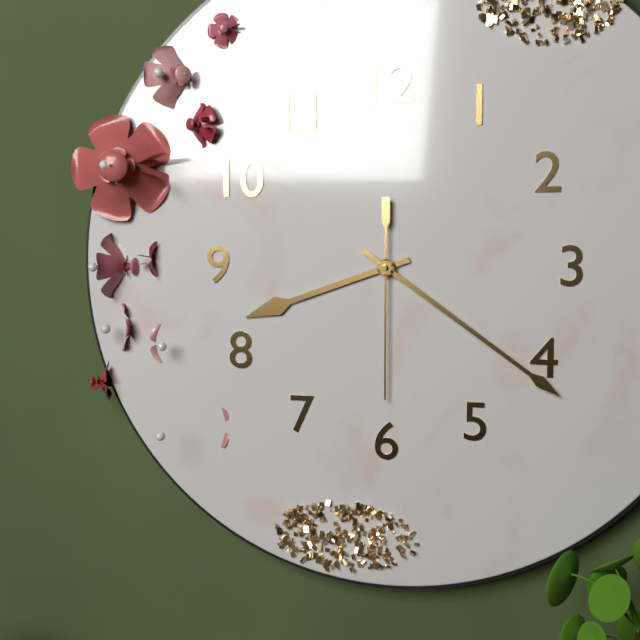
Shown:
8 h 21 min 30 s
